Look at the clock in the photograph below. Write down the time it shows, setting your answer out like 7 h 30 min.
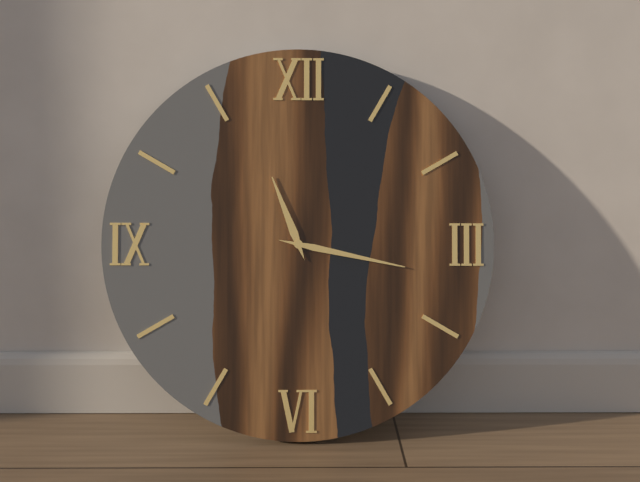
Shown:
11 h 17 min
